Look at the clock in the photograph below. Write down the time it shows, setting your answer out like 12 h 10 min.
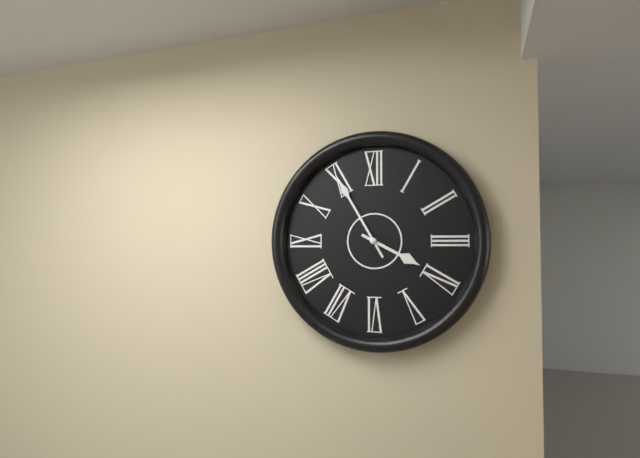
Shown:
3 h 55 min
